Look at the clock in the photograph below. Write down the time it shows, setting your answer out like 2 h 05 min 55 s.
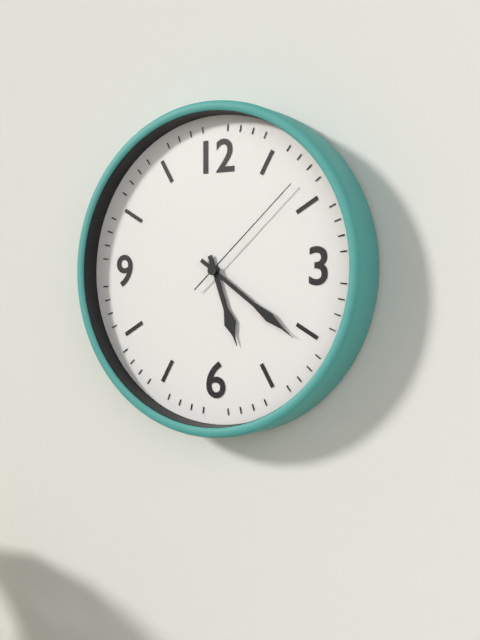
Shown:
5 h 21 min 08 s
